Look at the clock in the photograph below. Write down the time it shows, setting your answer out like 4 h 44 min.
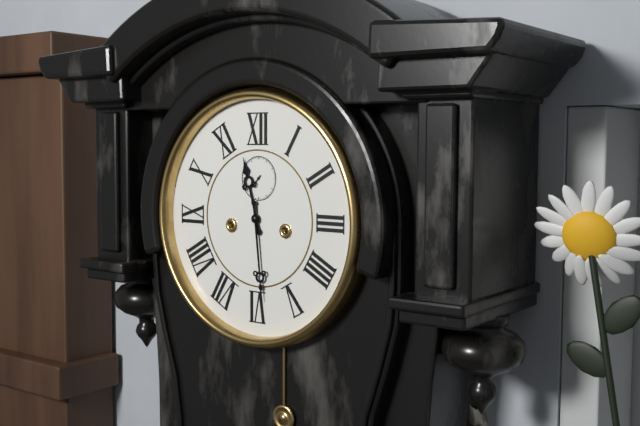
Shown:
11 h 29 min
